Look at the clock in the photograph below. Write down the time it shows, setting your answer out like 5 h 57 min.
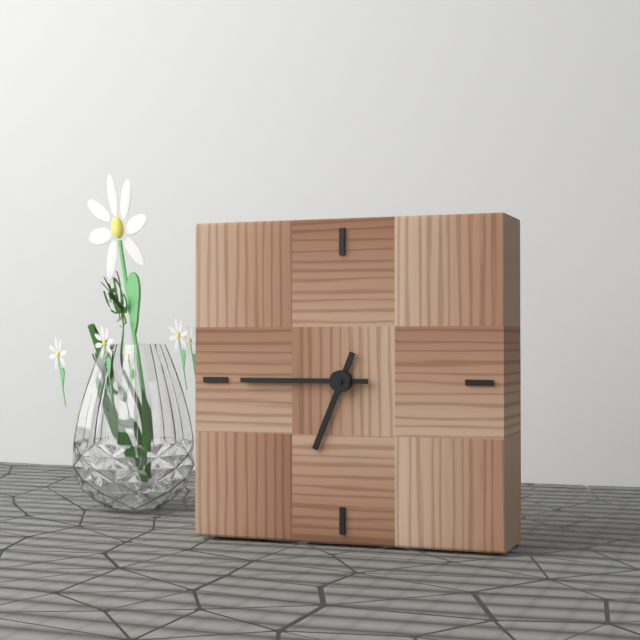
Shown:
6 h 45 min
